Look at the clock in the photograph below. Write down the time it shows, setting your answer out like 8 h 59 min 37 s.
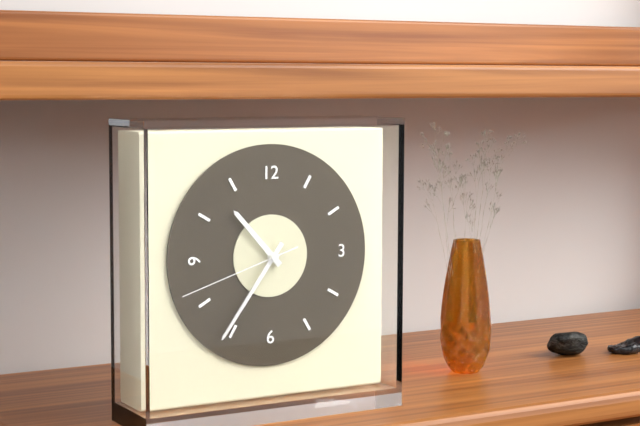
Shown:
10 h 36 min 42 s
